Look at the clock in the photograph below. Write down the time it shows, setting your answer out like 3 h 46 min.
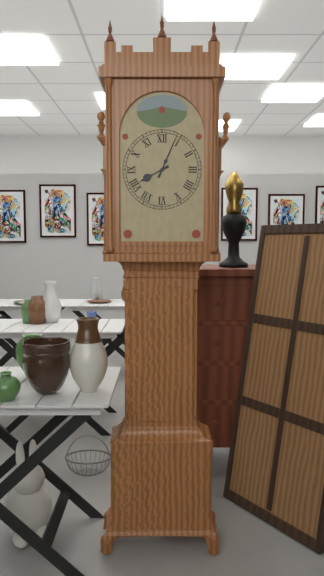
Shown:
8 h 04 min
